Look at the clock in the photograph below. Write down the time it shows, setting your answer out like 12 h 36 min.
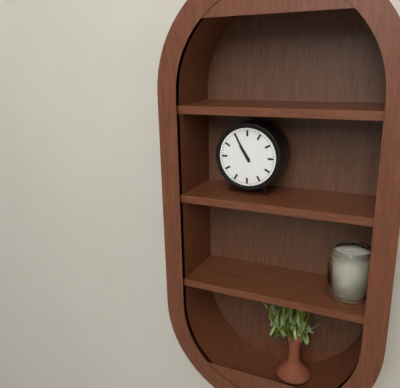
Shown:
10 h 55 min
